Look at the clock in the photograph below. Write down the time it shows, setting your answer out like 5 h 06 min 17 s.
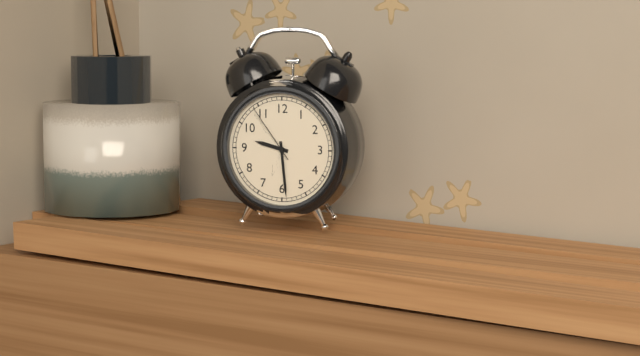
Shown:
9 h 29 min 54 s
